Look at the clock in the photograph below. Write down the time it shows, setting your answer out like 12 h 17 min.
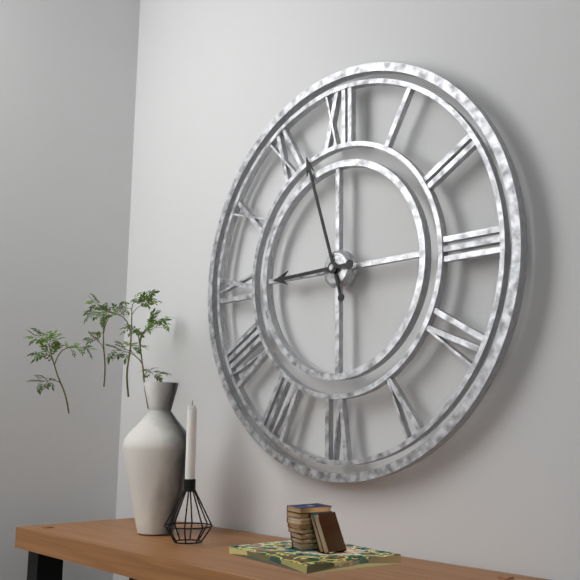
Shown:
8 h 57 min
